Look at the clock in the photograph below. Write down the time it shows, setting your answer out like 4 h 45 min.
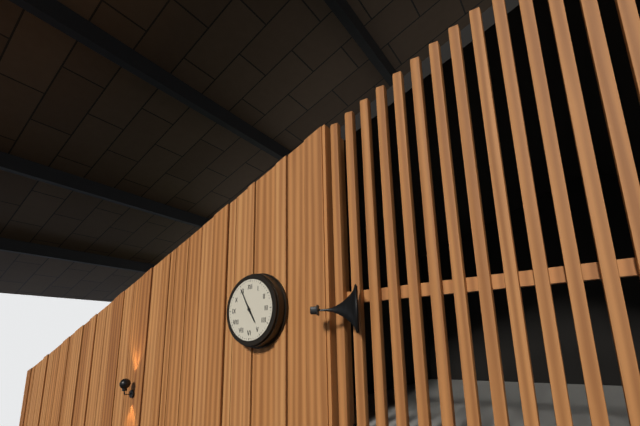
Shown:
4 h 55 min
